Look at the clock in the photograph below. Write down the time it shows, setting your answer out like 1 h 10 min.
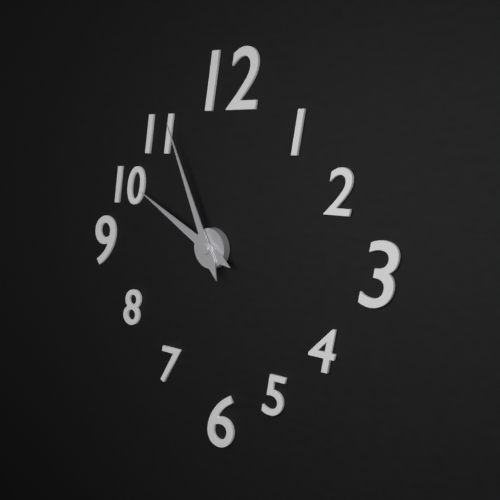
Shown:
9 h 56 min
